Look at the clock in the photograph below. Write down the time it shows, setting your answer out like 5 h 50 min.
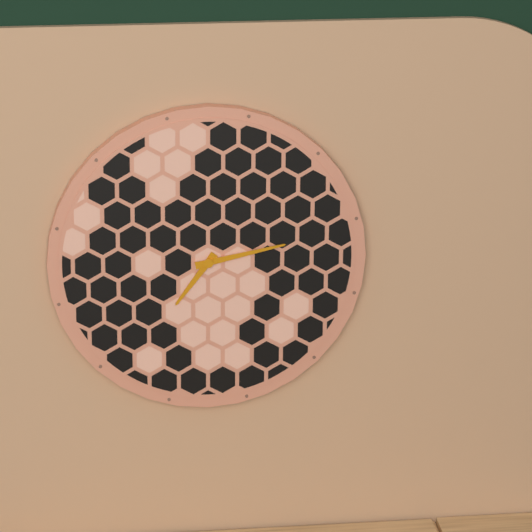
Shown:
7 h 13 min
